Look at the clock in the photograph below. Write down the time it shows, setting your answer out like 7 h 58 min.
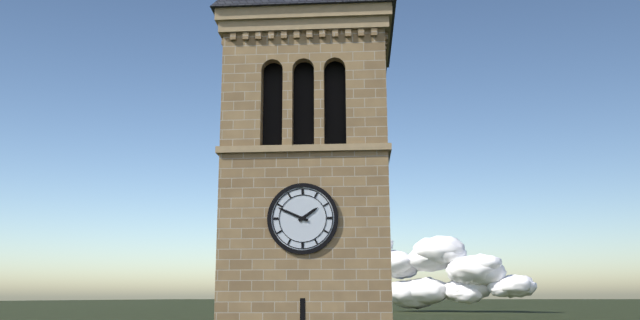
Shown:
1 h 49 min
